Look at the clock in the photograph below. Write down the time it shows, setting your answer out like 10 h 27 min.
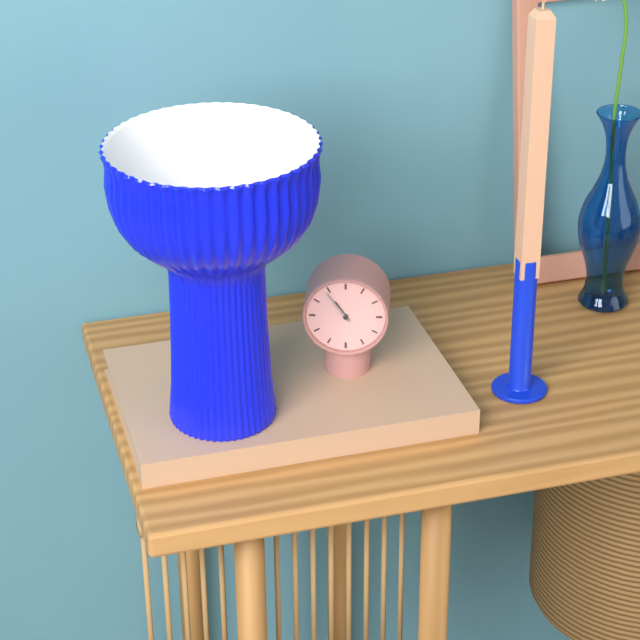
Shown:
10 h 54 min
